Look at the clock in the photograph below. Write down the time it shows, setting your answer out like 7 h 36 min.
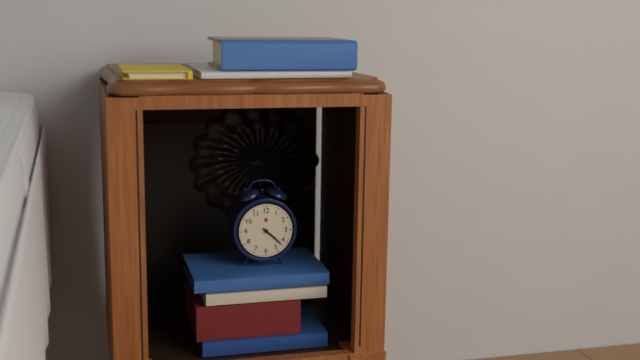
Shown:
4 h 22 min
